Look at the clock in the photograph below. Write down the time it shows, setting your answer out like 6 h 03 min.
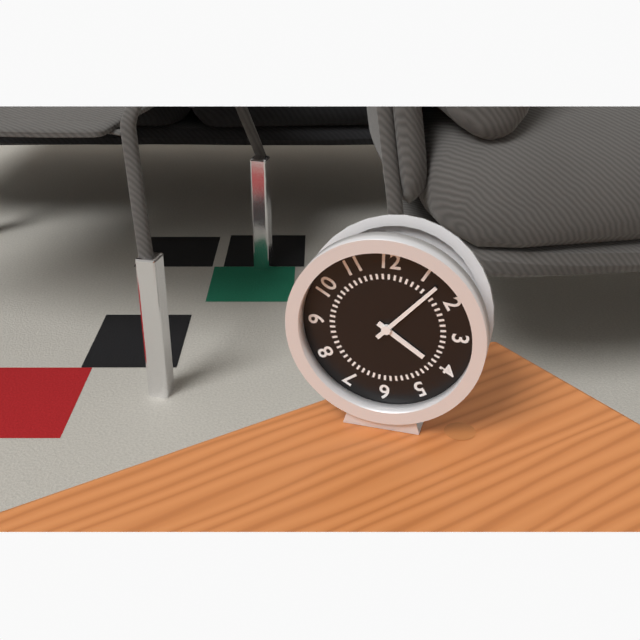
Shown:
4 h 07 min
